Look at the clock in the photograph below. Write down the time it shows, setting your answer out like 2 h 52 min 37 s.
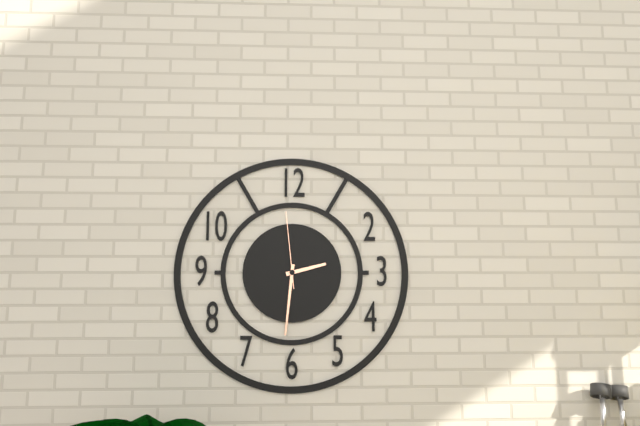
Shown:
2 h 31 min 59 s
